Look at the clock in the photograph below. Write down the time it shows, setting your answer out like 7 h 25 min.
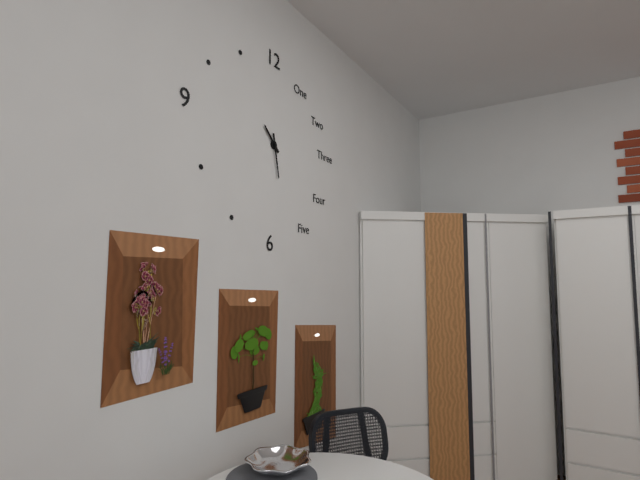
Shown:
10 h 28 min
